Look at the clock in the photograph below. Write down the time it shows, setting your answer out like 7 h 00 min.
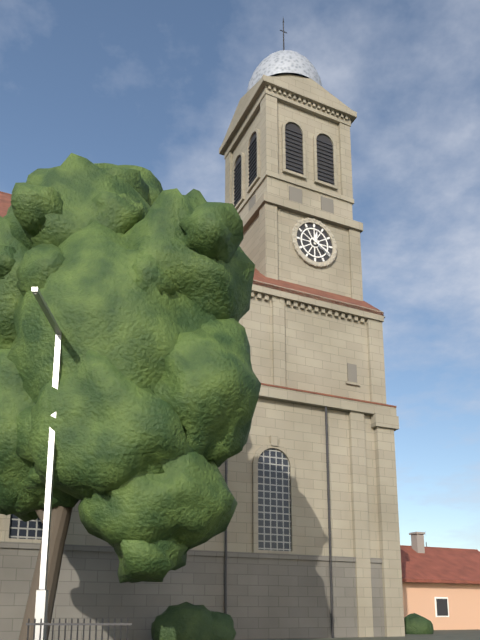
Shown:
12 h 20 min
